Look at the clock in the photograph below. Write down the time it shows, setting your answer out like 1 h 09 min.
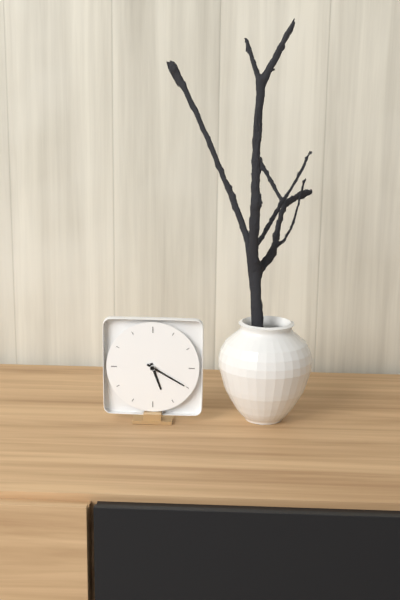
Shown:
5 h 20 min
